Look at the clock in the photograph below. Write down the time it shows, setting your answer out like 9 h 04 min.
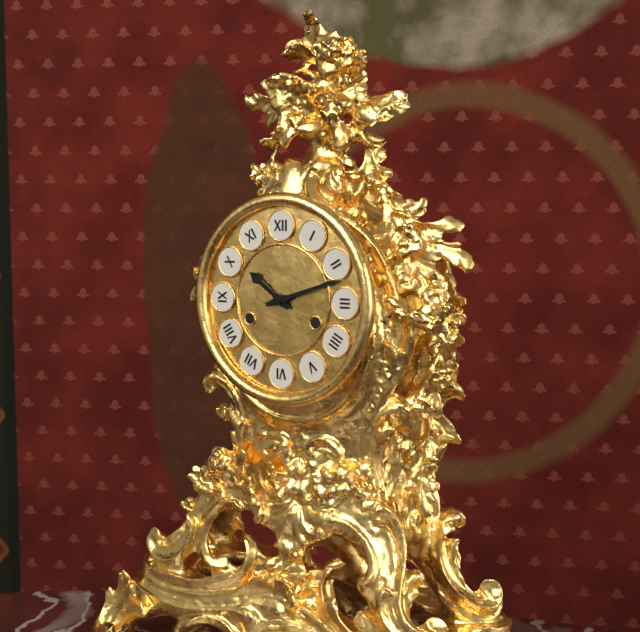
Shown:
10 h 12 min
